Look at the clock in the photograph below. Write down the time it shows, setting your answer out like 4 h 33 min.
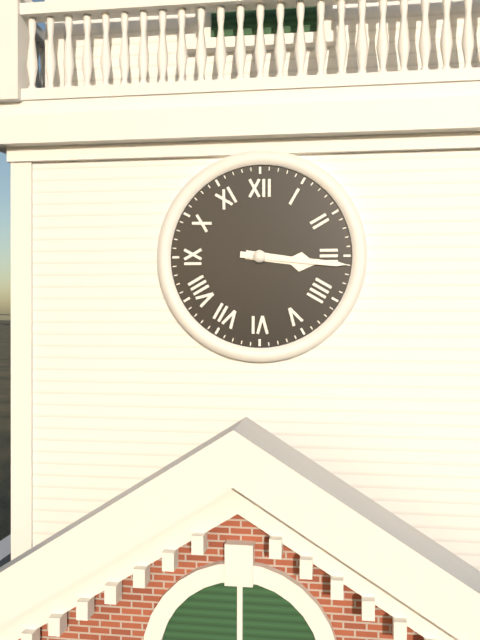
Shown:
3 h 16 min
